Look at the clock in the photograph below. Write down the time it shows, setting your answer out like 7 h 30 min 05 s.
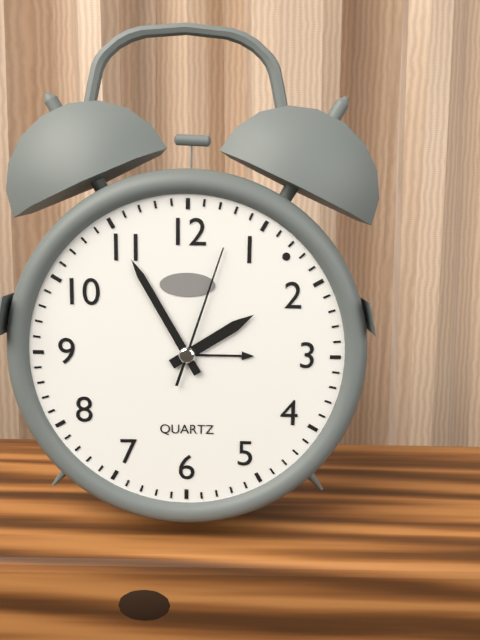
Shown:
1 h 55 min 03 s
